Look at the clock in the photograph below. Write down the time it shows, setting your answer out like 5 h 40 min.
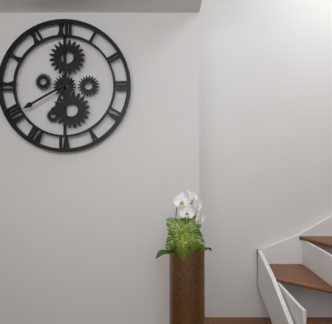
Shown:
6 h 40 min
